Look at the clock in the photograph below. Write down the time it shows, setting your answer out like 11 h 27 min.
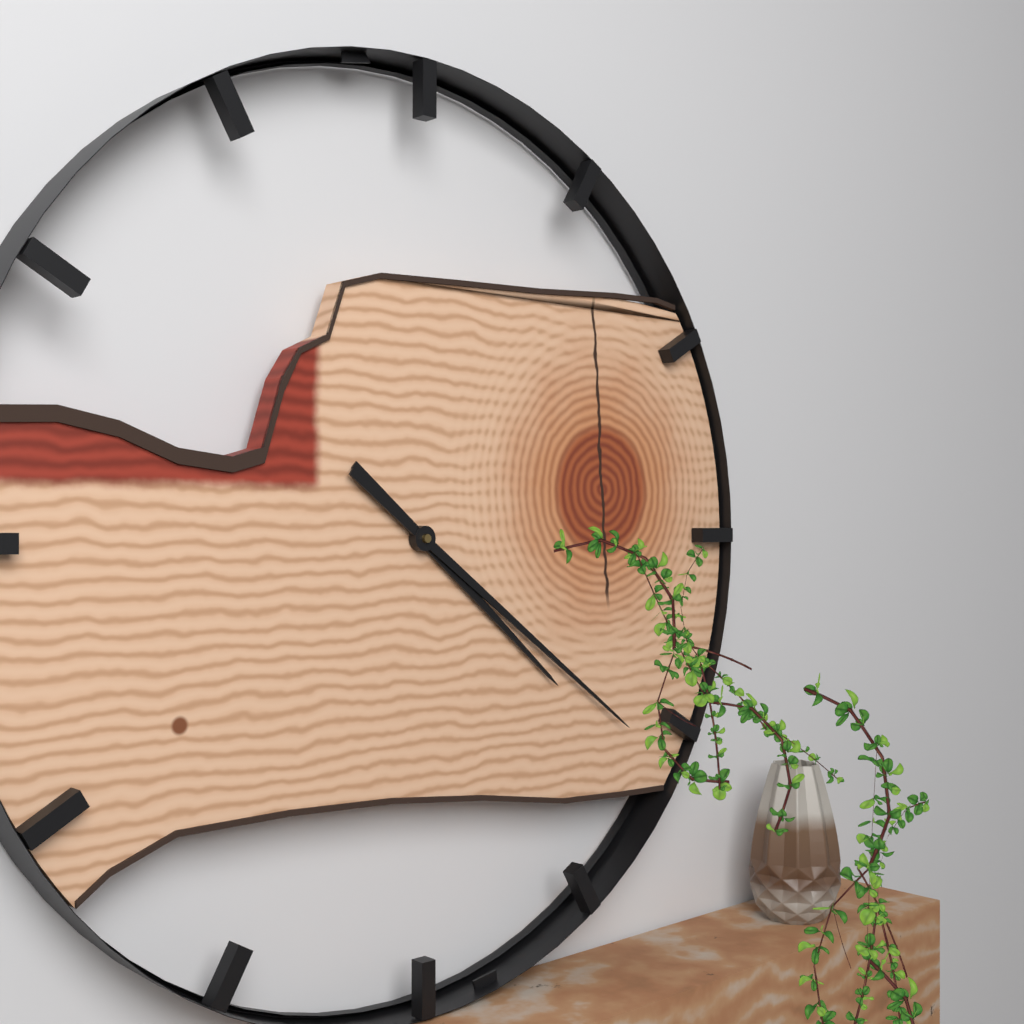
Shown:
4 h 21 min
